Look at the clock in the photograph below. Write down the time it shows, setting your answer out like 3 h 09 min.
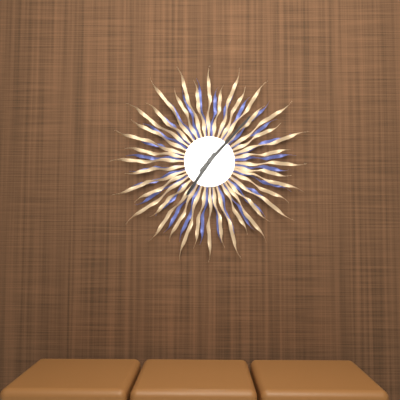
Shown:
7 h 07 min
